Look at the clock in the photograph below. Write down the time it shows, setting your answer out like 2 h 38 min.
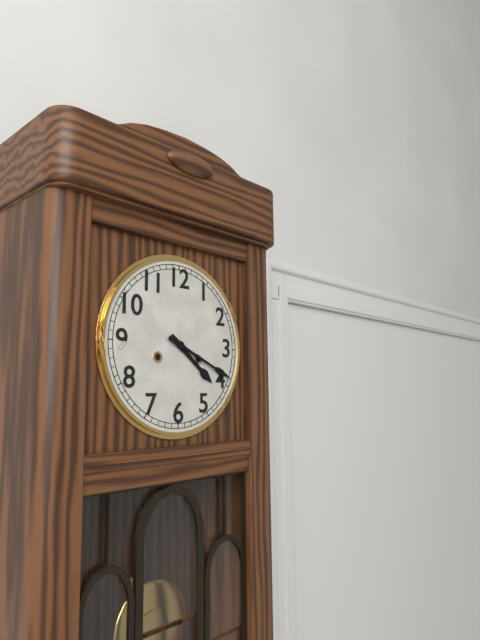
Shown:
4 h 19 min
